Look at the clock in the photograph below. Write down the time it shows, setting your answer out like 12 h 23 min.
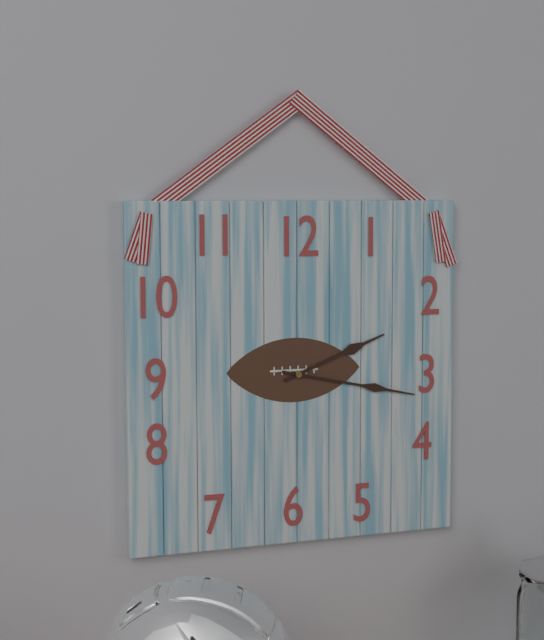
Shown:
2 h 17 min
